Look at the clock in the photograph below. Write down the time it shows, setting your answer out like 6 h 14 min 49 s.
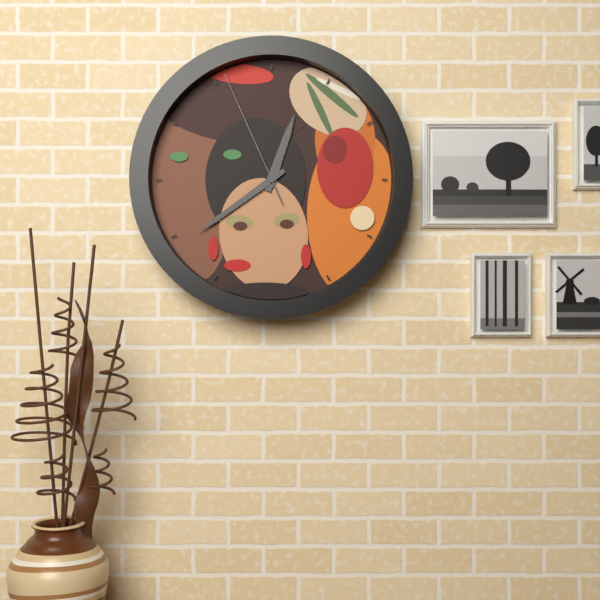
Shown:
12 h 39 min 56 s
